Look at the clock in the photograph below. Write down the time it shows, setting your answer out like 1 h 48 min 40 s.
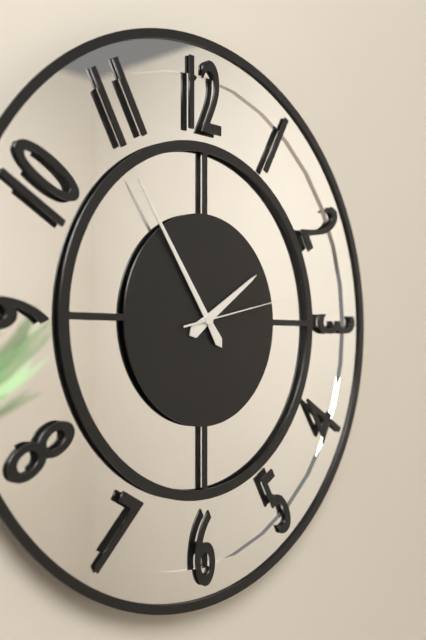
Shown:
1 h 54 min 13 s
